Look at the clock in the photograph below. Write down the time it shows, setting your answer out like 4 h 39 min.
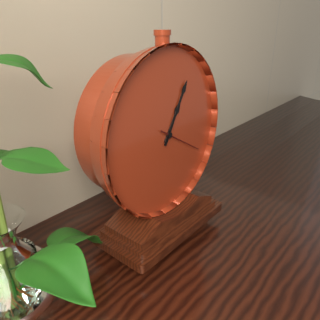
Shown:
1 h 05 min
